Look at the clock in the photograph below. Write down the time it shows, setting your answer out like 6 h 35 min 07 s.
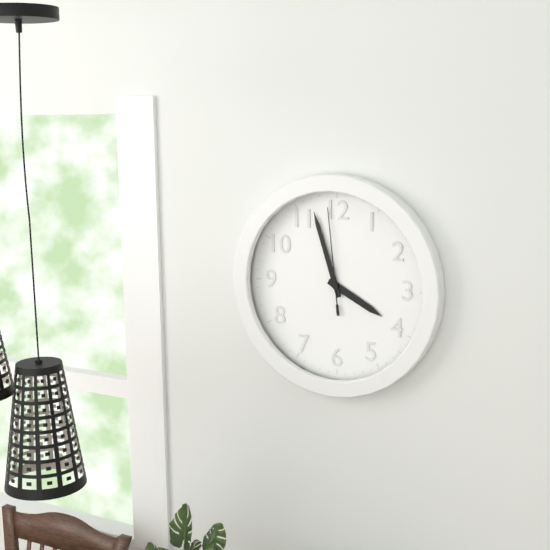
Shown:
3 h 57 min 59 s
